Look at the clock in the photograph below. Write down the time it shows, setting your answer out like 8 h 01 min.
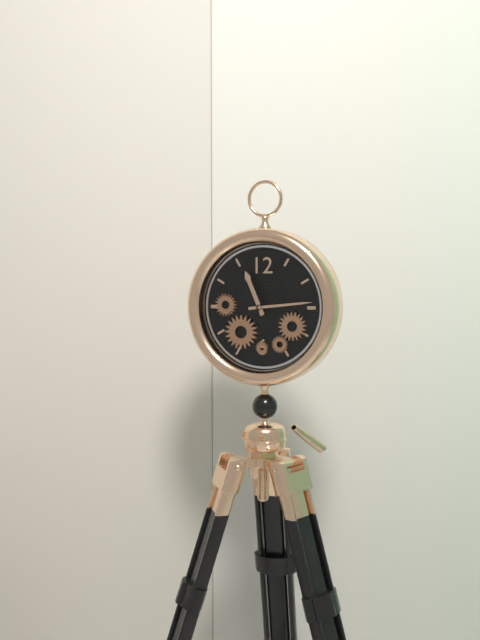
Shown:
11 h 14 min
